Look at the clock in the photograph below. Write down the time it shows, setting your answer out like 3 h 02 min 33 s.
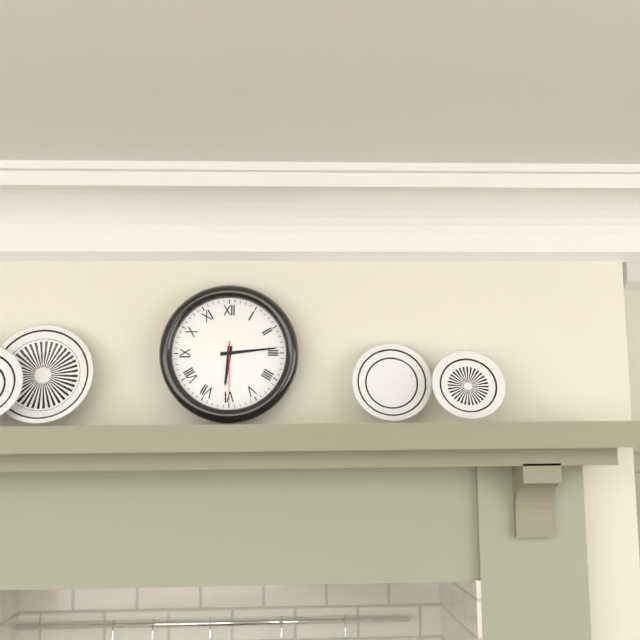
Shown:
6 h 14 min 30 s
